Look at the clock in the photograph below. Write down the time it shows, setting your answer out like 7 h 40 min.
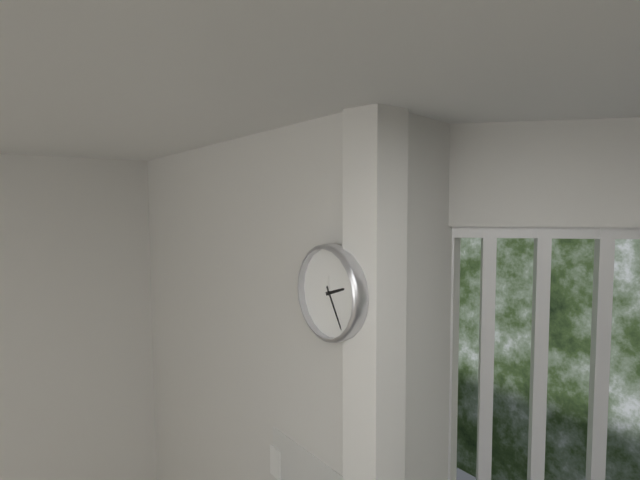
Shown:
2 h 25 min
